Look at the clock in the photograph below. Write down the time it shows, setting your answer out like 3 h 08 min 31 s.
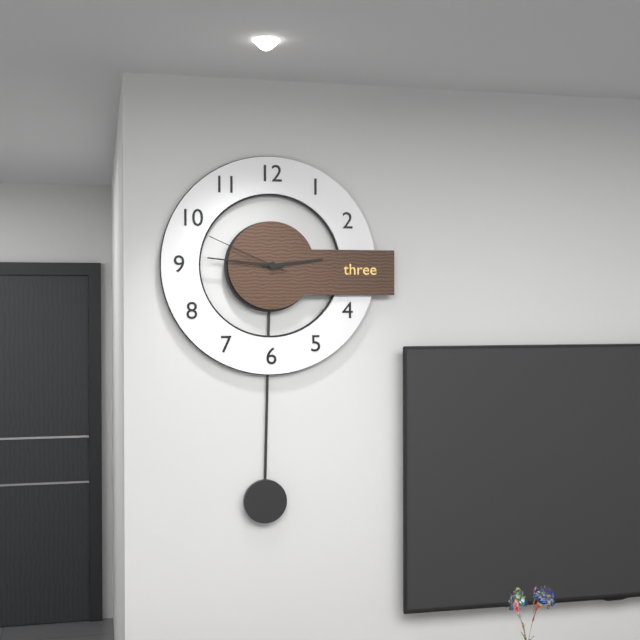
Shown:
2 h 46 min 49 s
